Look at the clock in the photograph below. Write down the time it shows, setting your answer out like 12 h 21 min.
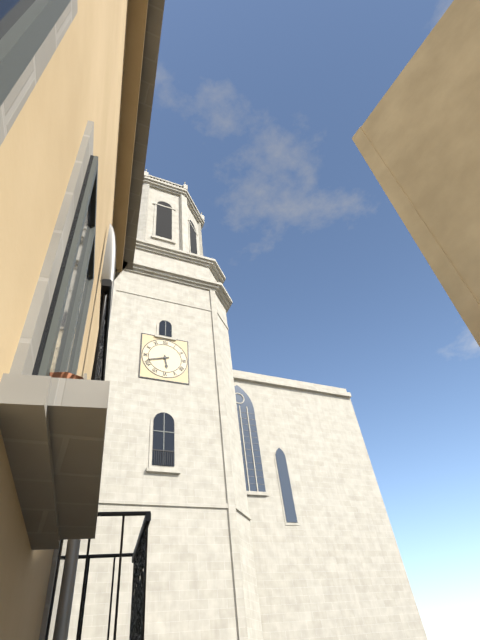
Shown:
5 h 42 min
